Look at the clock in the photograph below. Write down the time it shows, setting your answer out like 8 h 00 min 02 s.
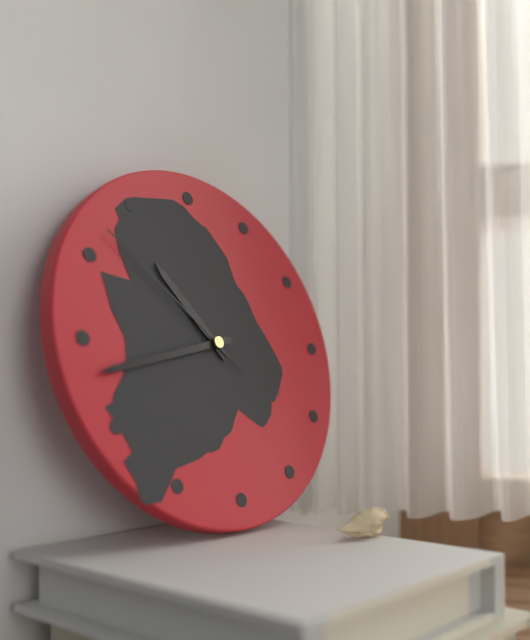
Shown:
10 h 43 min 52 s
